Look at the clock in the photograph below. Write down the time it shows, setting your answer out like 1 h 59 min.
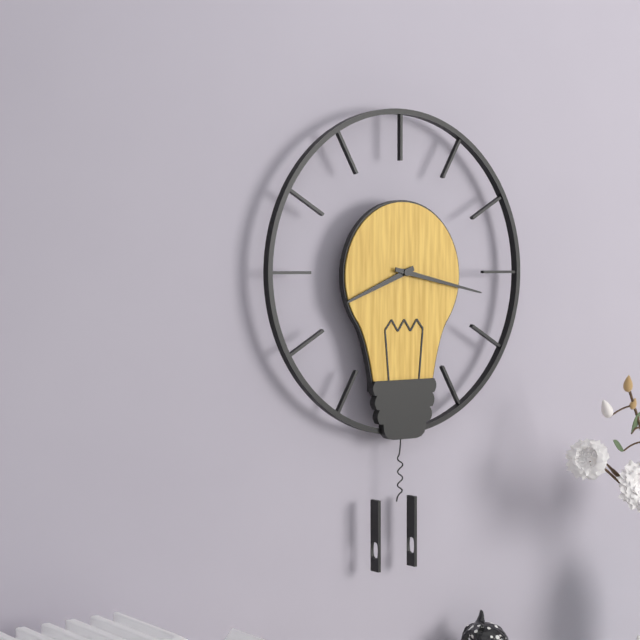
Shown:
8 h 17 min
